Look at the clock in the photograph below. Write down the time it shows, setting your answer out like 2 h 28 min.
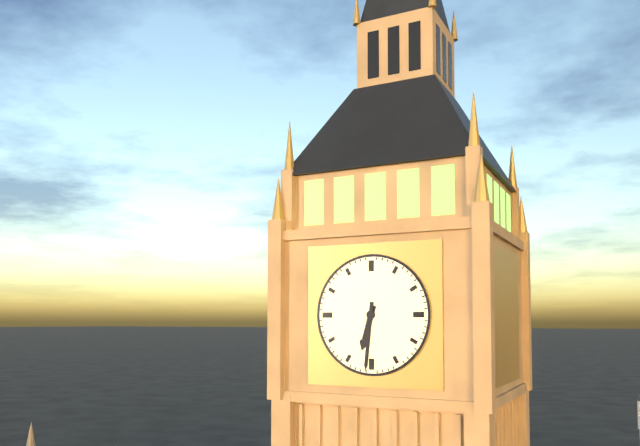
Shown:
6 h 31 min
